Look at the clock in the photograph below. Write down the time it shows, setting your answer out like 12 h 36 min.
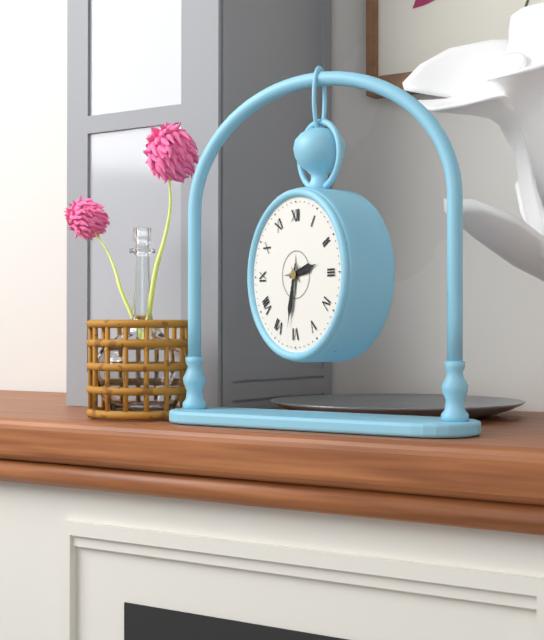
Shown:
2 h 32 min
